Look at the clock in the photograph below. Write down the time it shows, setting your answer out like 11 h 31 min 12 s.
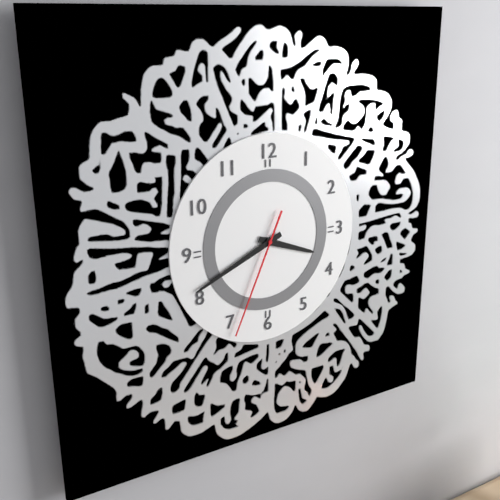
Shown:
3 h 41 min 34 s
